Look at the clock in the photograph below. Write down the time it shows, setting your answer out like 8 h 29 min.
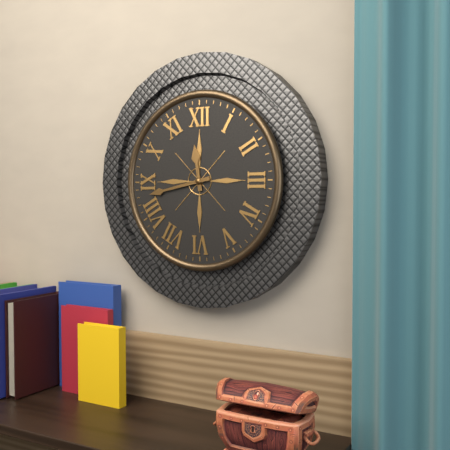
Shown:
11 h 43 min
